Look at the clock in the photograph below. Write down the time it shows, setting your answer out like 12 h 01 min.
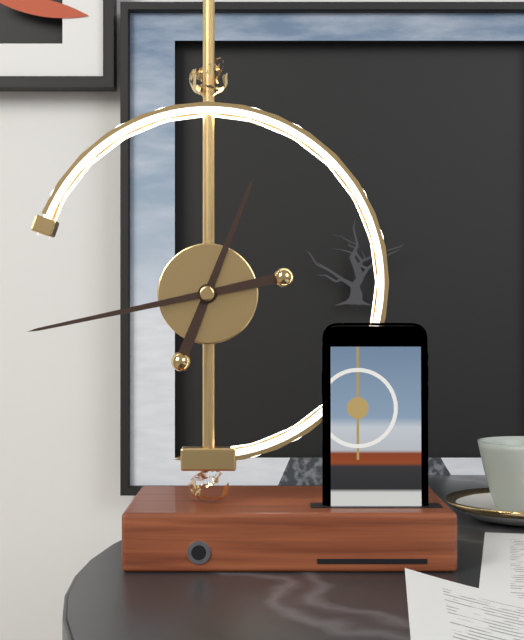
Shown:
12 h 43 min
